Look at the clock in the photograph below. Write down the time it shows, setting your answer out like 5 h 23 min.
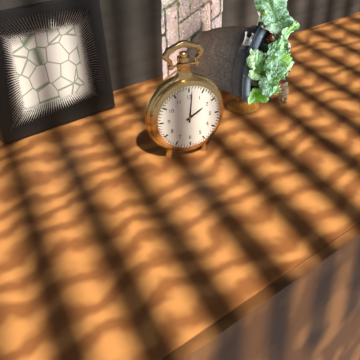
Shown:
2 h 01 min
